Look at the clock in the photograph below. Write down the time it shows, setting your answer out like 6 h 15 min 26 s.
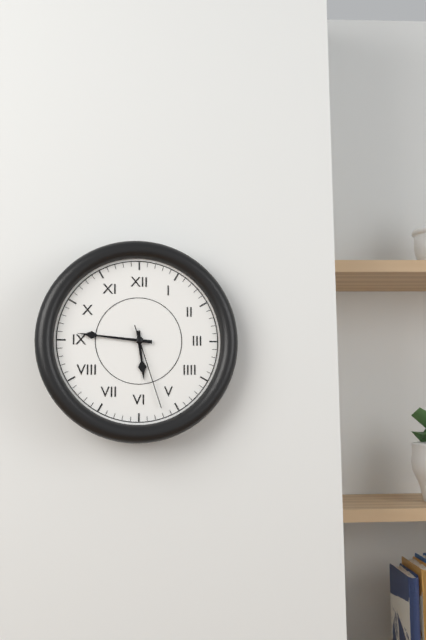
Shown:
5 h 46 min 27 s
